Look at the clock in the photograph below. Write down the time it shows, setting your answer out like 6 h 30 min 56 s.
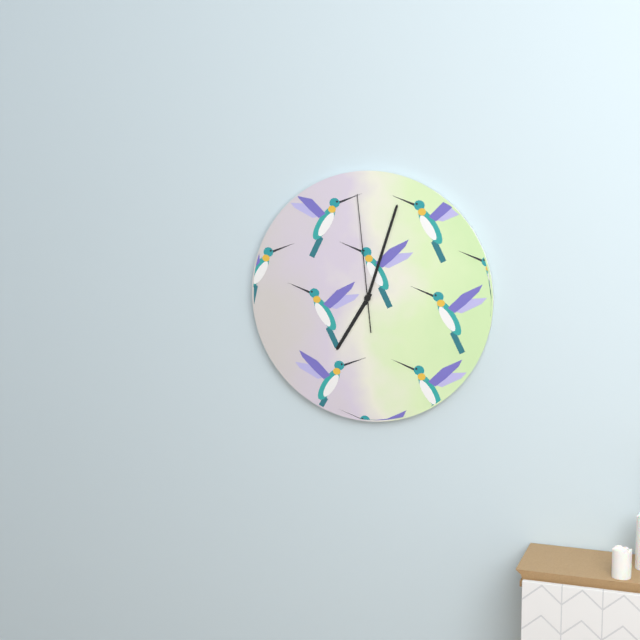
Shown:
7 h 03 min 59 s
